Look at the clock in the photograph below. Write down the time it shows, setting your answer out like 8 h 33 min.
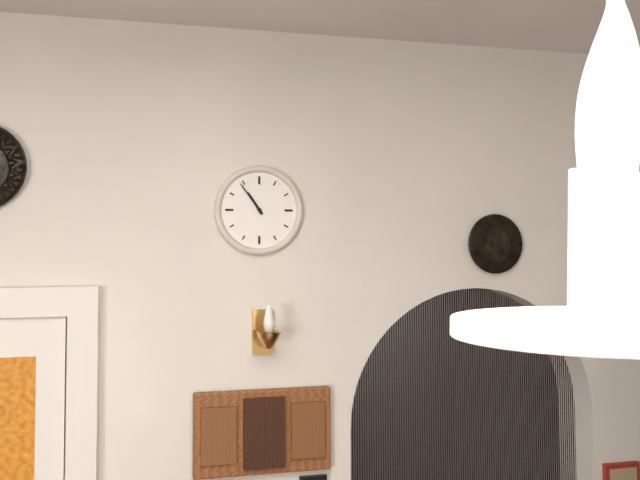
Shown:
10 h 54 min
